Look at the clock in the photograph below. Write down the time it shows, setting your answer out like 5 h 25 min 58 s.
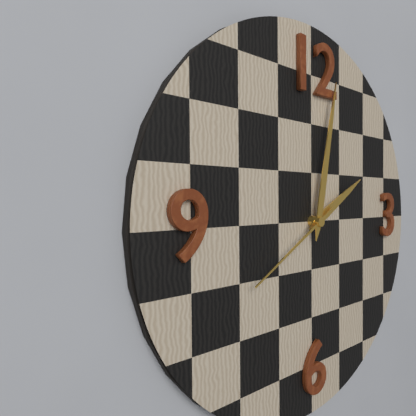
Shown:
2 h 02 min 40 s
